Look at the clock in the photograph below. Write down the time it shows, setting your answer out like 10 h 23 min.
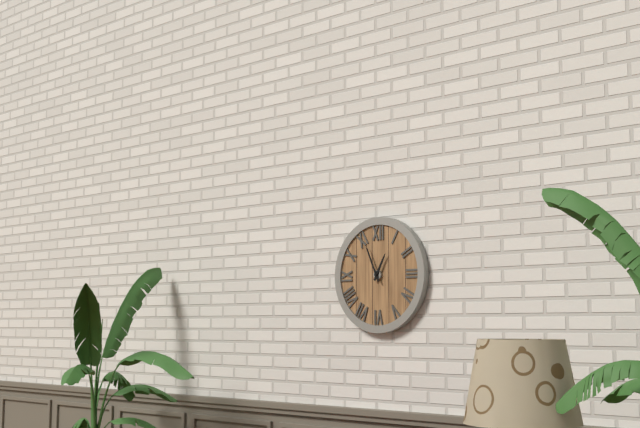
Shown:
12 h 56 min
